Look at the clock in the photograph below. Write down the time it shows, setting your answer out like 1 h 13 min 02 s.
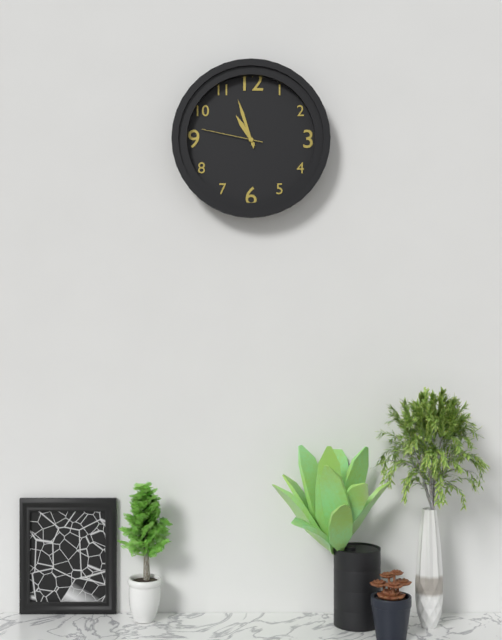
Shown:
10 h 57 min 47 s
